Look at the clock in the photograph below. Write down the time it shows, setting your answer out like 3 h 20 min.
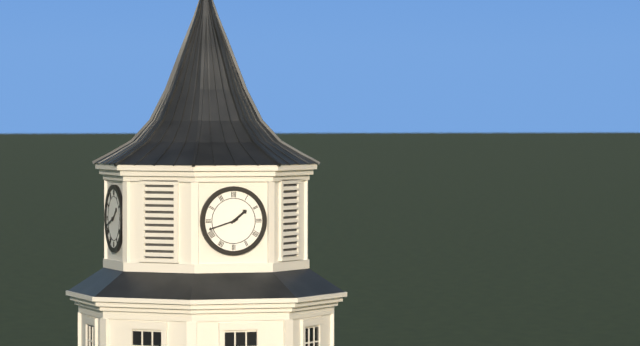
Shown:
1 h 42 min
